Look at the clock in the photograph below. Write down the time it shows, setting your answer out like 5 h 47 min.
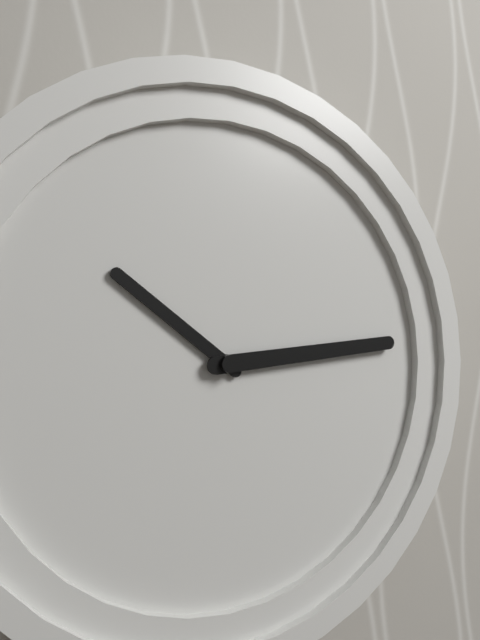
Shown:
10 h 14 min
